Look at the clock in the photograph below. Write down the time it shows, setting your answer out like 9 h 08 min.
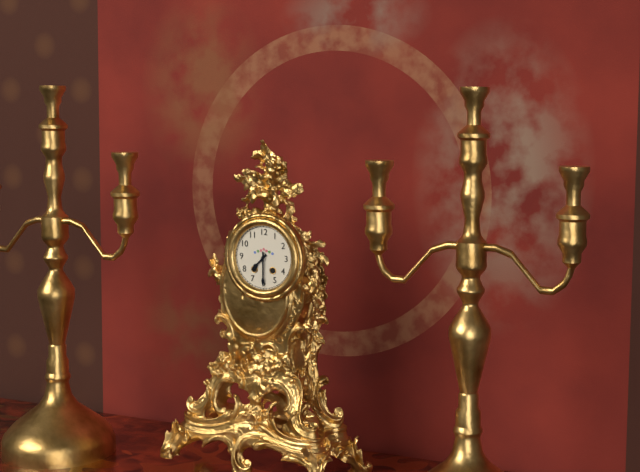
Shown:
7 h 30 min
